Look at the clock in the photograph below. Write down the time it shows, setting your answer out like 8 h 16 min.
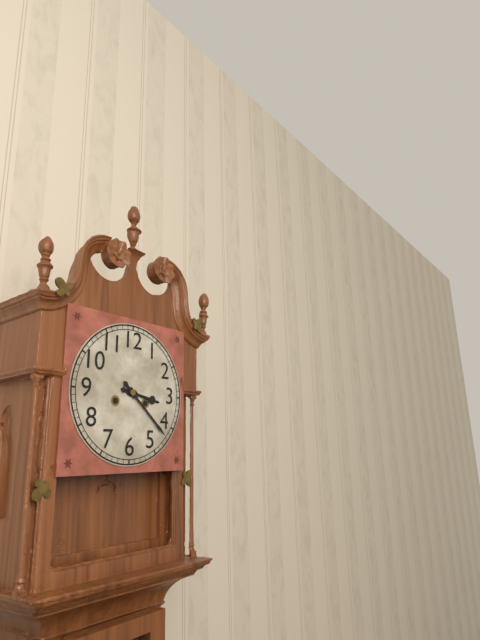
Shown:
3 h 22 min
